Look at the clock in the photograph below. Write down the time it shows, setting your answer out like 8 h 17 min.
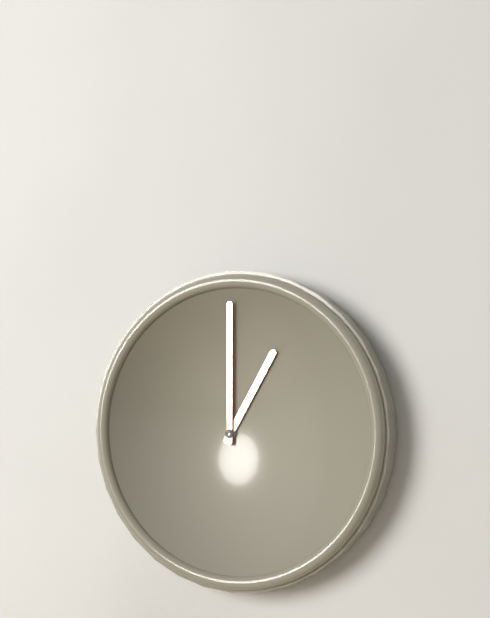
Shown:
1 h 00 min
